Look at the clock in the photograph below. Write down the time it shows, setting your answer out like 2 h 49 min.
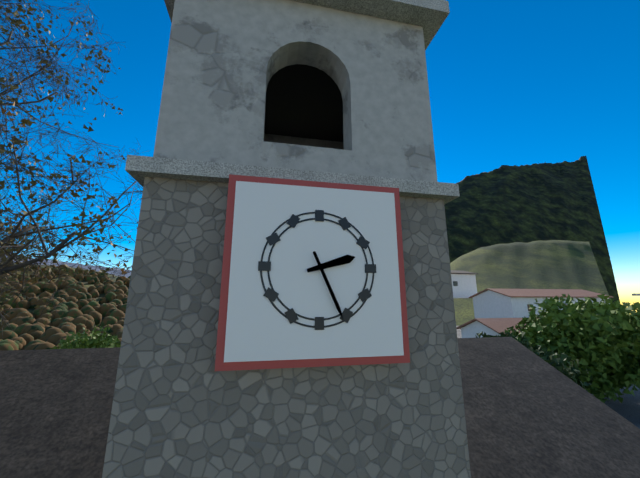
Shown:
2 h 26 min
